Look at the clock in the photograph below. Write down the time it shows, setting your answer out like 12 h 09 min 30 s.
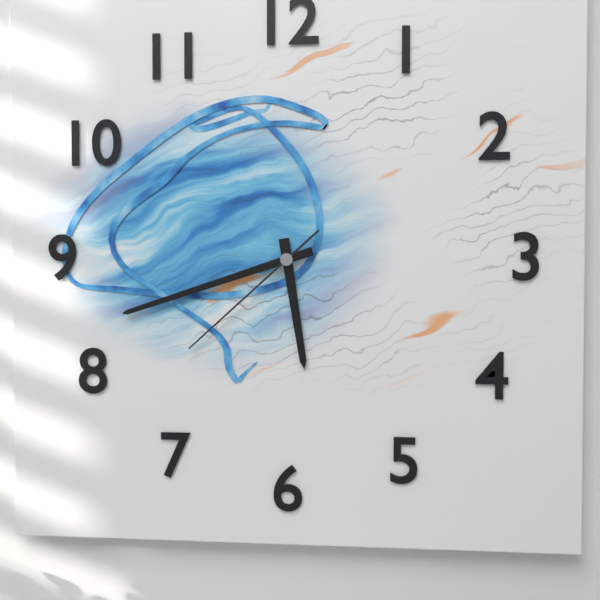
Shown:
5 h 42 min 38 s
